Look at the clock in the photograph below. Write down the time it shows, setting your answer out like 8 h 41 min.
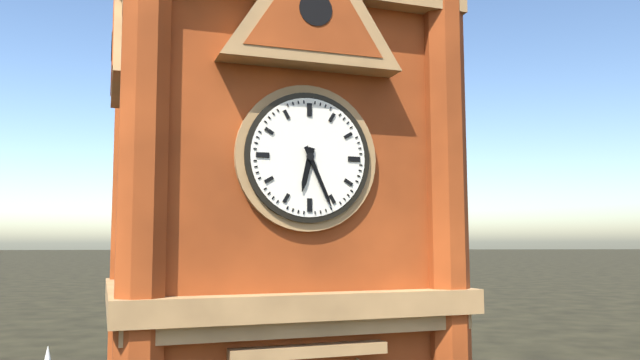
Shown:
6 h 26 min
